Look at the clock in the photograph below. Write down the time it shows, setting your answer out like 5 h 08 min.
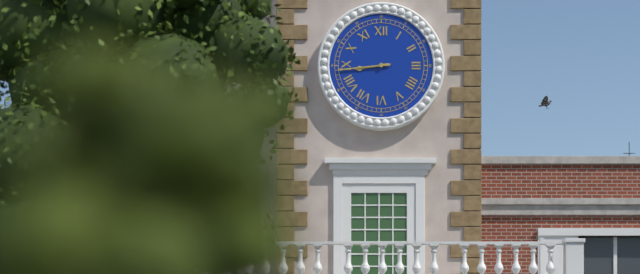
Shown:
8 h 44 min
